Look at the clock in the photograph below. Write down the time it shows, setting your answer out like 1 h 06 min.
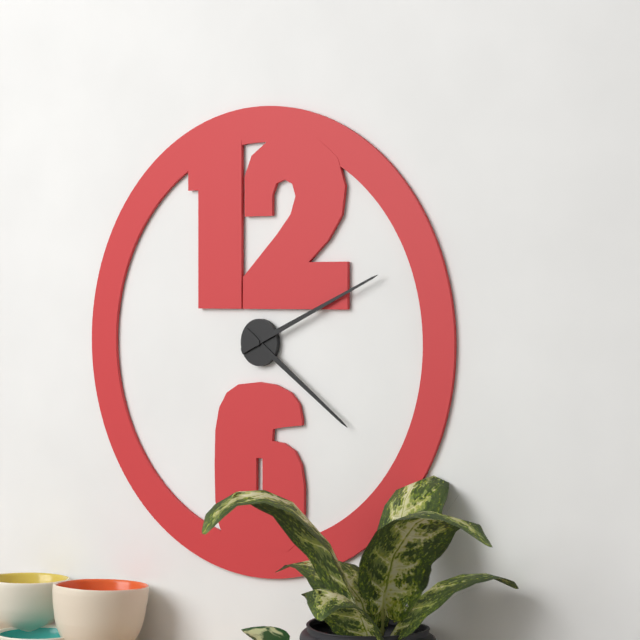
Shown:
4 h 11 min
